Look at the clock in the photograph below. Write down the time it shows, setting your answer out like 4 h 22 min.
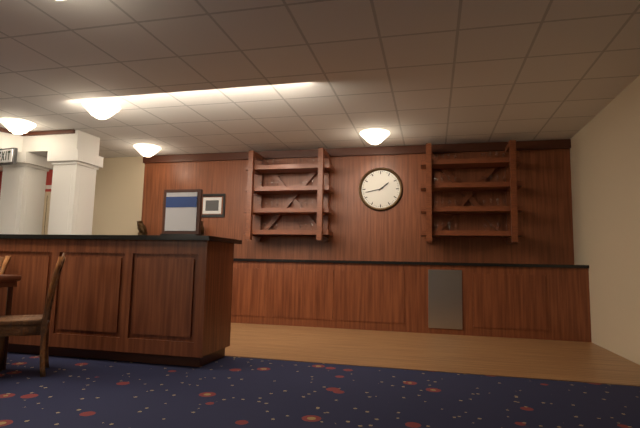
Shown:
1 h 43 min
